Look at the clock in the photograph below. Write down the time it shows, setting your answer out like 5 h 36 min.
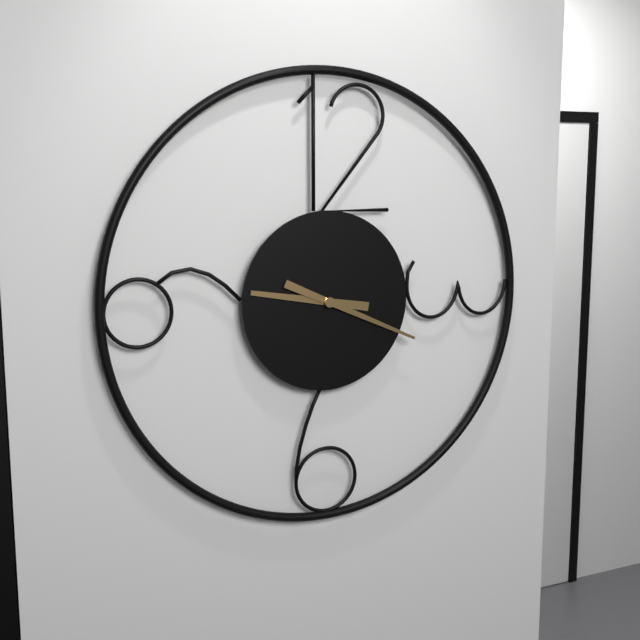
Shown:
9 h 19 min
